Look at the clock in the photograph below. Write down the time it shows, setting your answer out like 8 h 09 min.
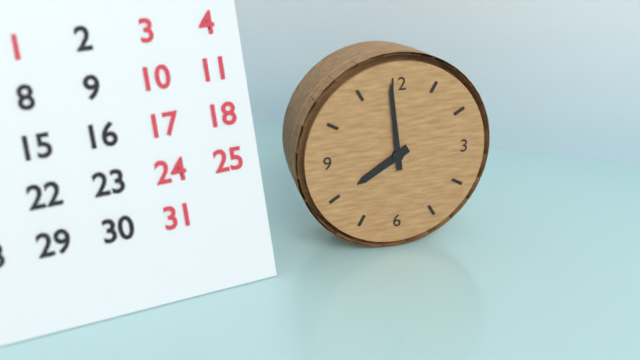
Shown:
7 h 59 min
